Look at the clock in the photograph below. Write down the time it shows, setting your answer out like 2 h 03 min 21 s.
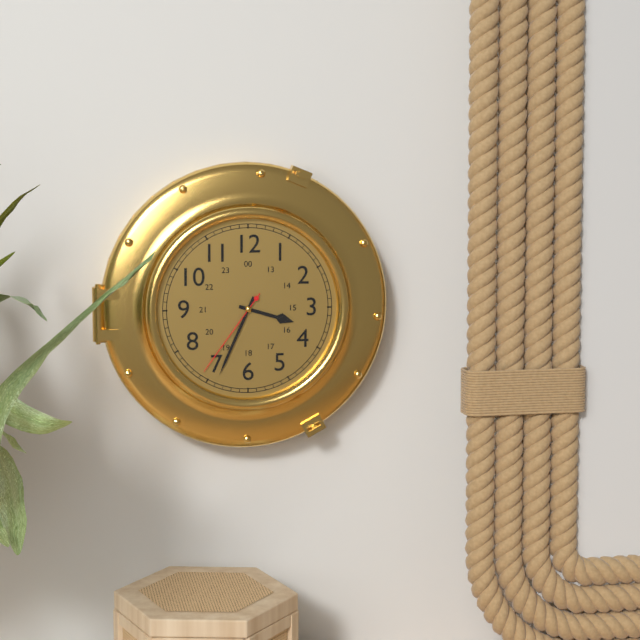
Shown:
3 h 34 min 36 s
